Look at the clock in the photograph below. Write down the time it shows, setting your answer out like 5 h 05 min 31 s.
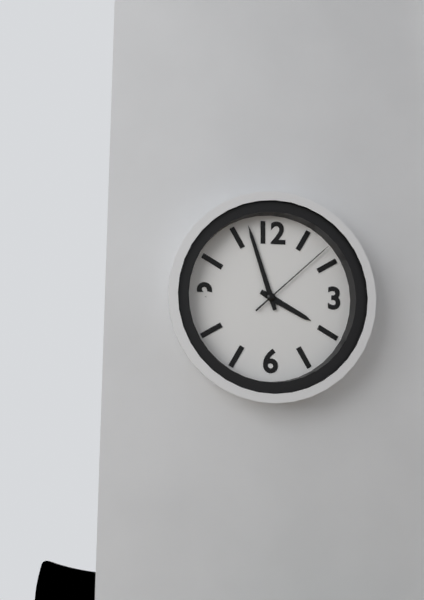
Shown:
3 h 57 min 08 s
